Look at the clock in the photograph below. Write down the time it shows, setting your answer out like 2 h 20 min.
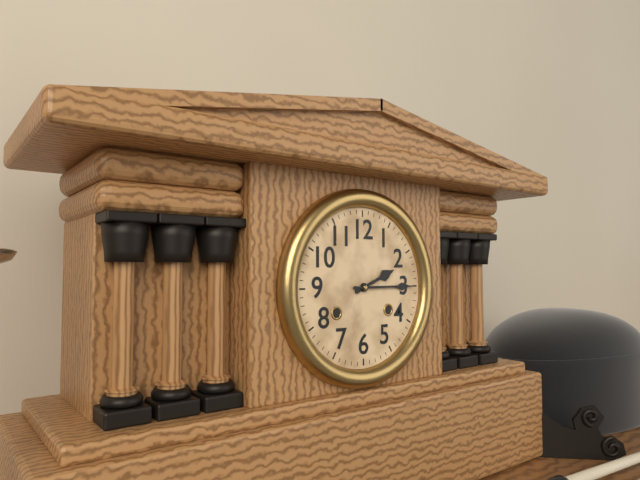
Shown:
2 h 15 min
